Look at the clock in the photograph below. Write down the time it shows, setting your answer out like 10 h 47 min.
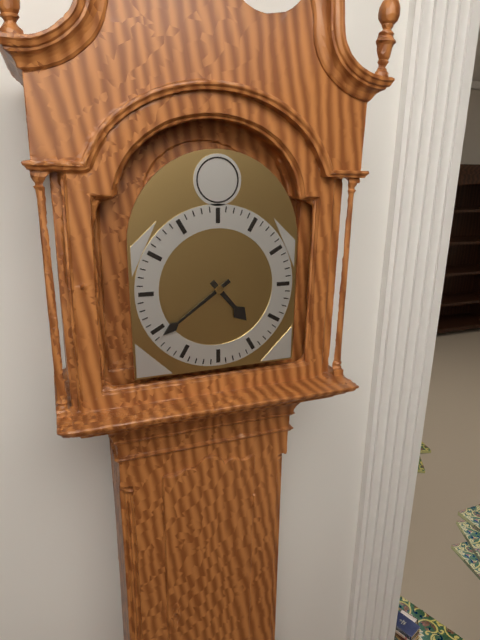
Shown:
4 h 39 min
